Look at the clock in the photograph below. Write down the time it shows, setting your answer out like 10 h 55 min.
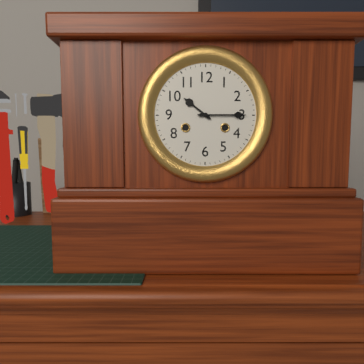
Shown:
10 h 15 min
